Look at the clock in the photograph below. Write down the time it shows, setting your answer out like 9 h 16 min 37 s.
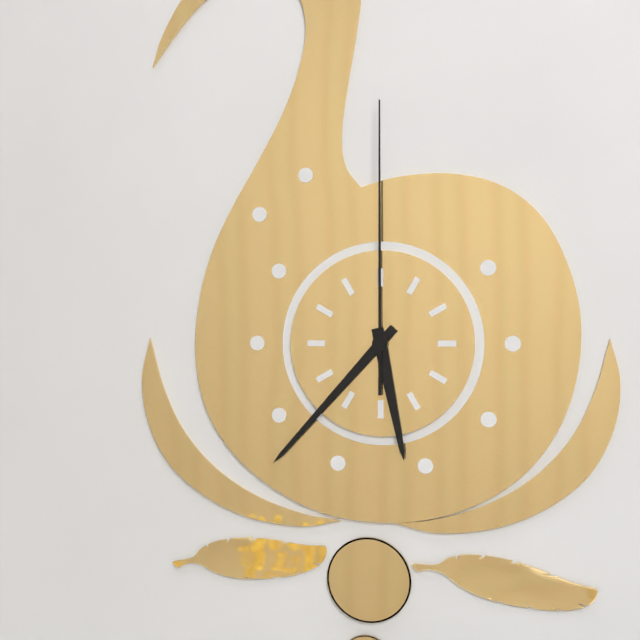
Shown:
5 h 37 min 00 s
